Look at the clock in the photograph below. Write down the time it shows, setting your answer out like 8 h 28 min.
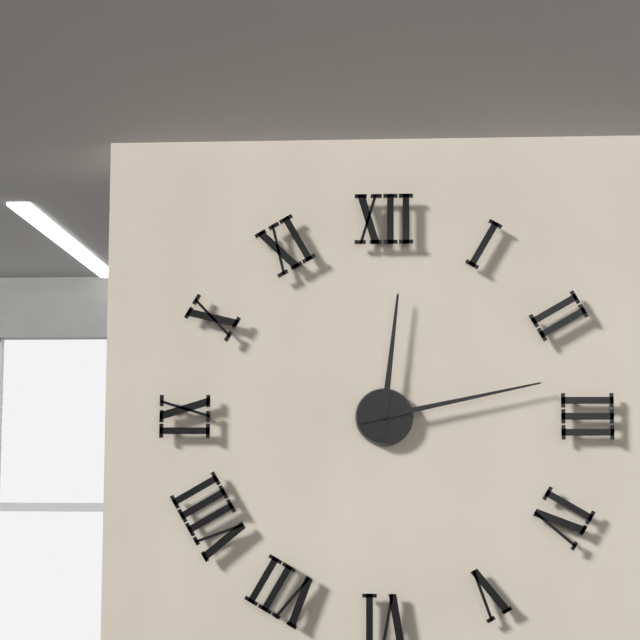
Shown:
12 h 13 min
